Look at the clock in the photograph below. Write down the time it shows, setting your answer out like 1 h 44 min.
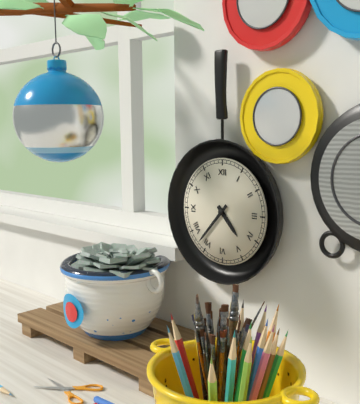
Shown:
4 h 37 min
